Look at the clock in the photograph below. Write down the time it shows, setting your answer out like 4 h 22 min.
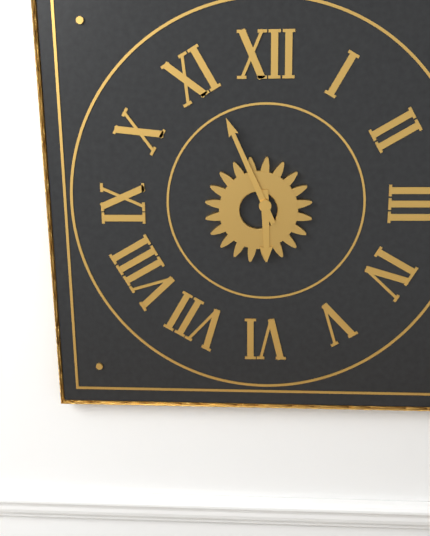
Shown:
5 h 56 min
